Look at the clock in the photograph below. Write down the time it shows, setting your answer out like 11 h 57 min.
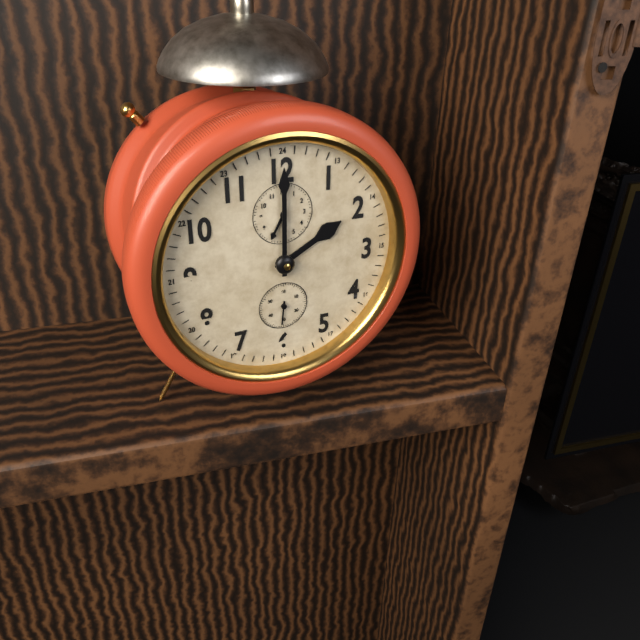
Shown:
2 h 00 min
